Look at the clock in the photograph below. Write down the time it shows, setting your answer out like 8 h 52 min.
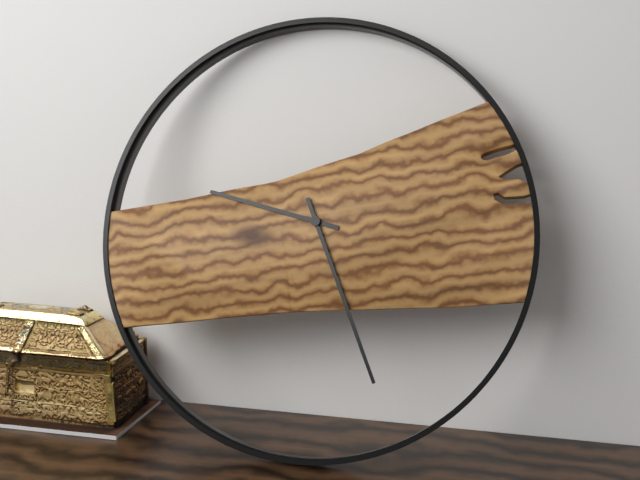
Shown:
9 h 26 min
